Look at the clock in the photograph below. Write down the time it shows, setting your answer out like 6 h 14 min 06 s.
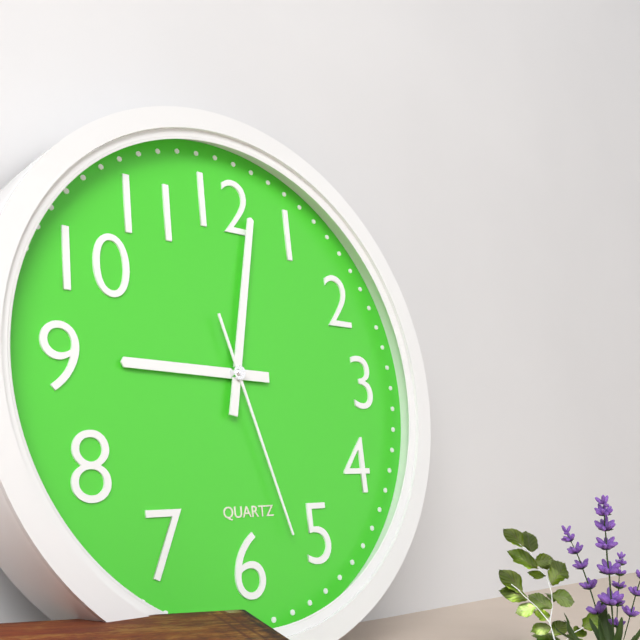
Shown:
9 h 02 min 27 s
